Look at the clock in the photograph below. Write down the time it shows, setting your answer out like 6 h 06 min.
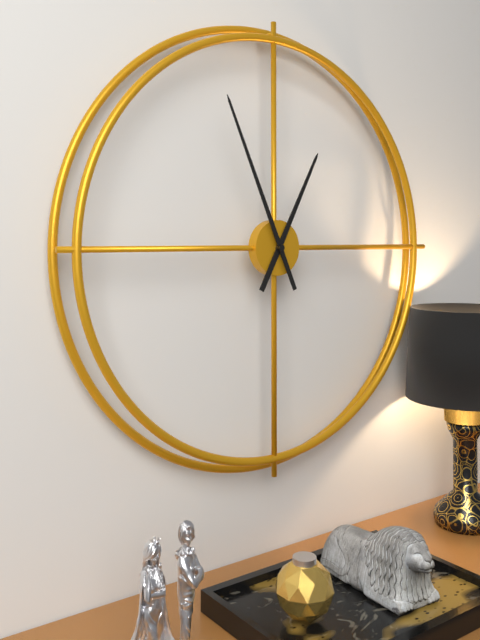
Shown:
12 h 56 min
